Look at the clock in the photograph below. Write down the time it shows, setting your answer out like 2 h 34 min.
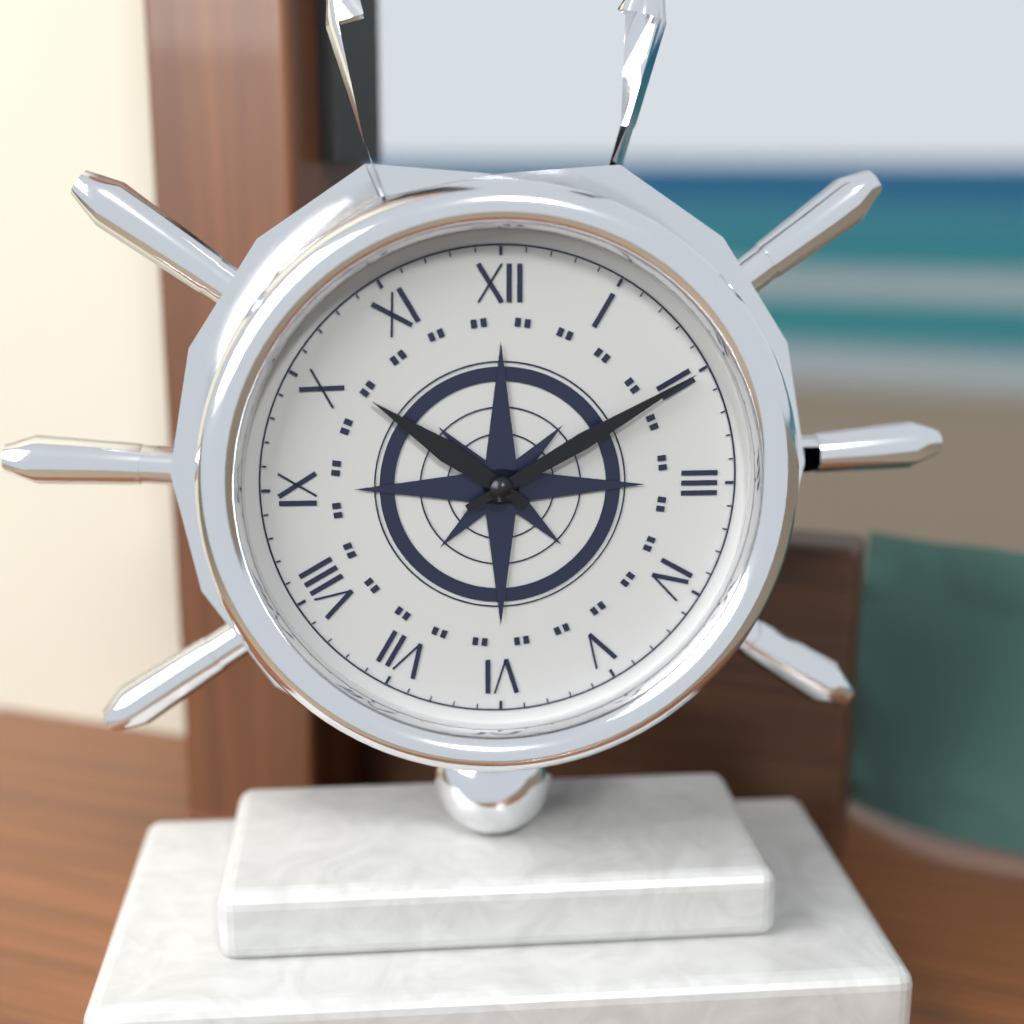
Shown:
10 h 10 min
